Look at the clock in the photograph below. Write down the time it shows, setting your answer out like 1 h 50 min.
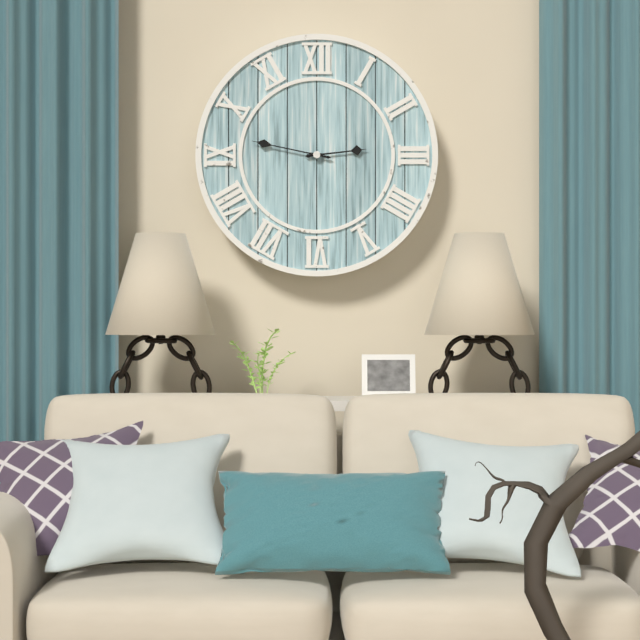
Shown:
2 h 47 min
